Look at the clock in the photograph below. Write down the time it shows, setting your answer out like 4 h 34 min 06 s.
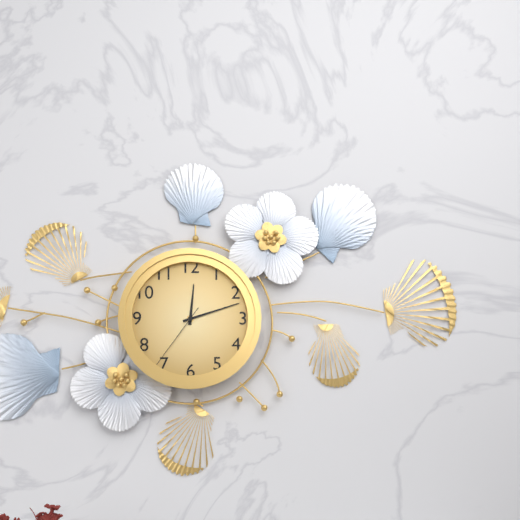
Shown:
12 h 12 min 36 s
